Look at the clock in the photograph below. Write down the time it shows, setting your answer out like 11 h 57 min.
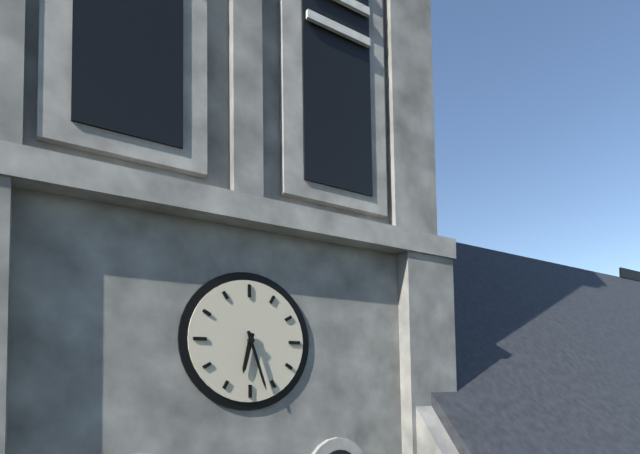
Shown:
6 h 27 min
